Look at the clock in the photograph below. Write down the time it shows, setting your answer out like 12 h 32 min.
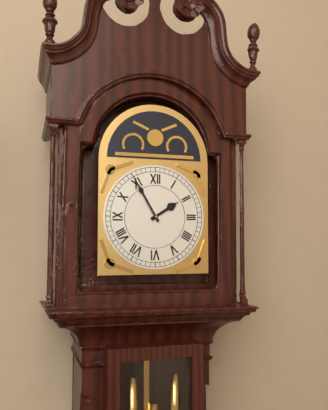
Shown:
1 h 55 min
